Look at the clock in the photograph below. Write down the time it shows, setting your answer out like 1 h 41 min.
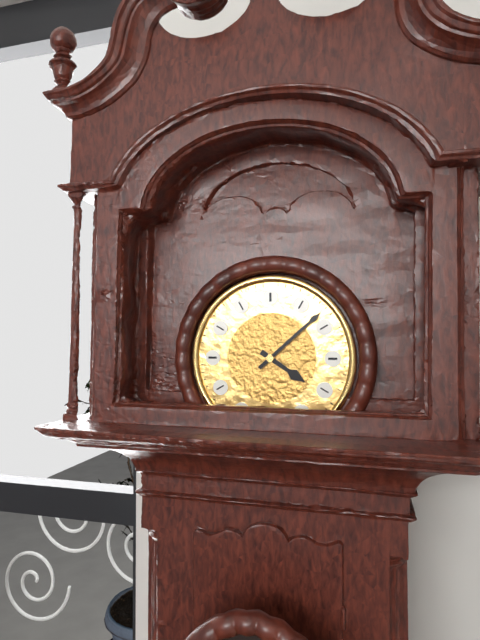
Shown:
4 h 08 min
